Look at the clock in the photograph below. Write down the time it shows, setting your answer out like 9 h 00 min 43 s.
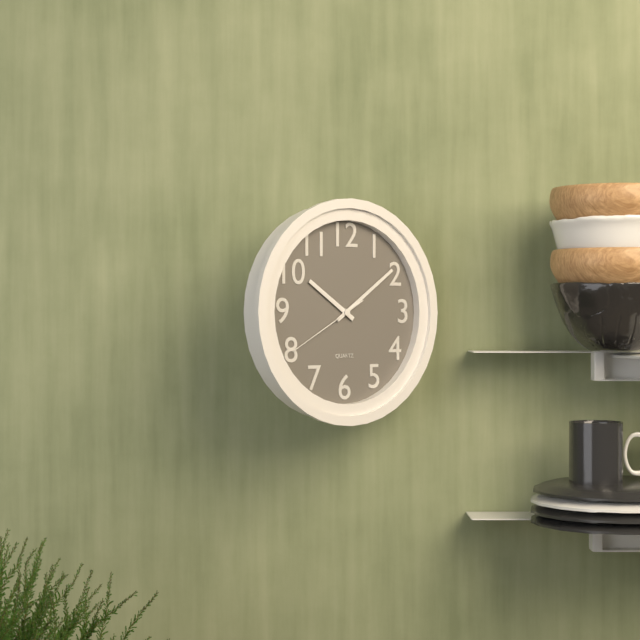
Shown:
10 h 09 min 40 s
